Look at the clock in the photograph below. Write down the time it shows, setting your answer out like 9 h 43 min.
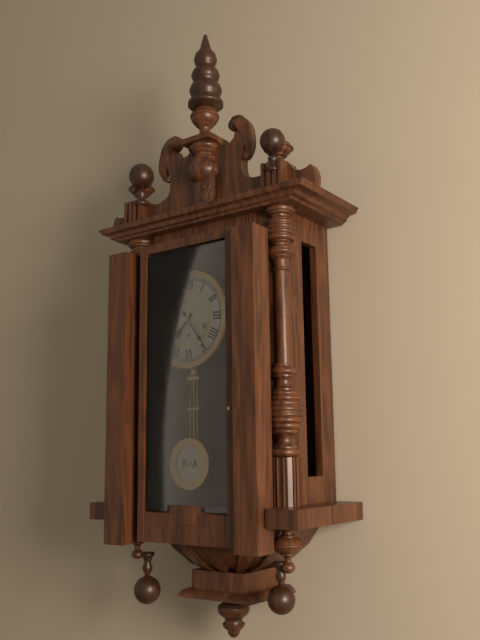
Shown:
7 h 24 min
